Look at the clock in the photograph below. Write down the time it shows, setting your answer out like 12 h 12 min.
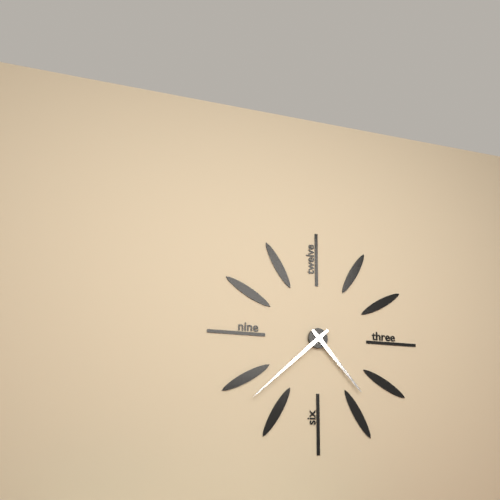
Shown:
4 h 38 min
